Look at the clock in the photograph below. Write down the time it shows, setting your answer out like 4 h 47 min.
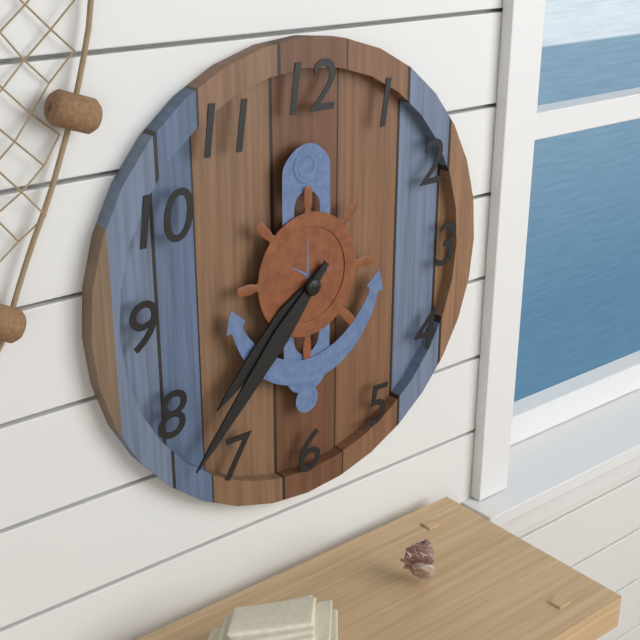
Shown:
7 h 37 min
